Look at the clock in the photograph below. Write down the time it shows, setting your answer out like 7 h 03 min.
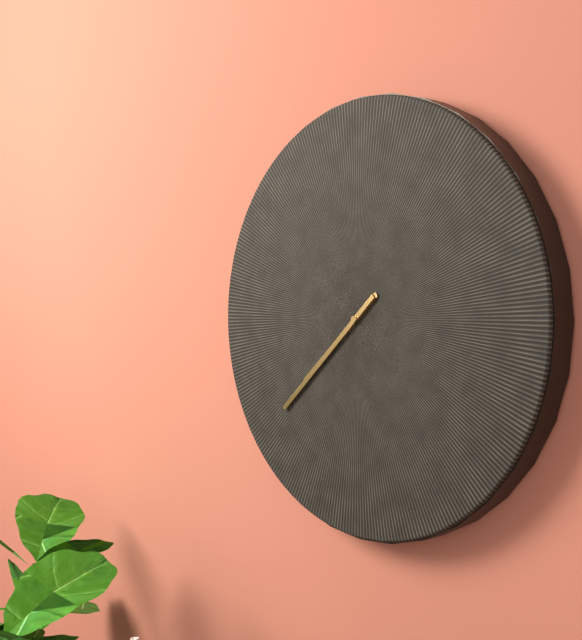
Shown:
7 h 38 min
